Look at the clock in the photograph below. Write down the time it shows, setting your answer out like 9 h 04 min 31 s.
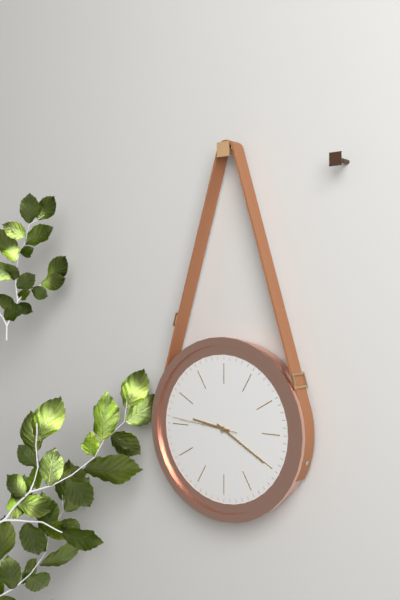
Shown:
9 h 20 min 46 s
